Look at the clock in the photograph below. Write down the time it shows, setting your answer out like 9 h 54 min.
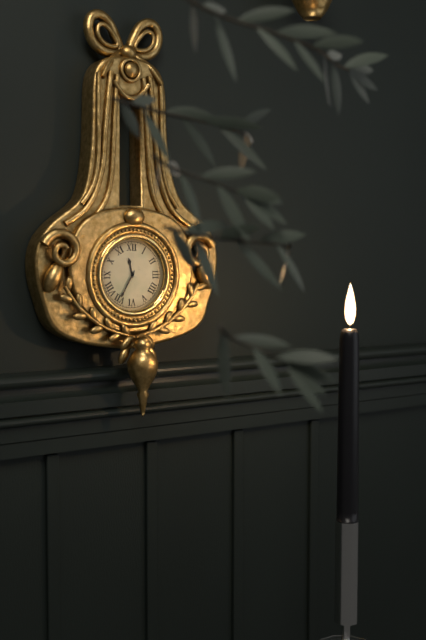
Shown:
11 h 35 min
